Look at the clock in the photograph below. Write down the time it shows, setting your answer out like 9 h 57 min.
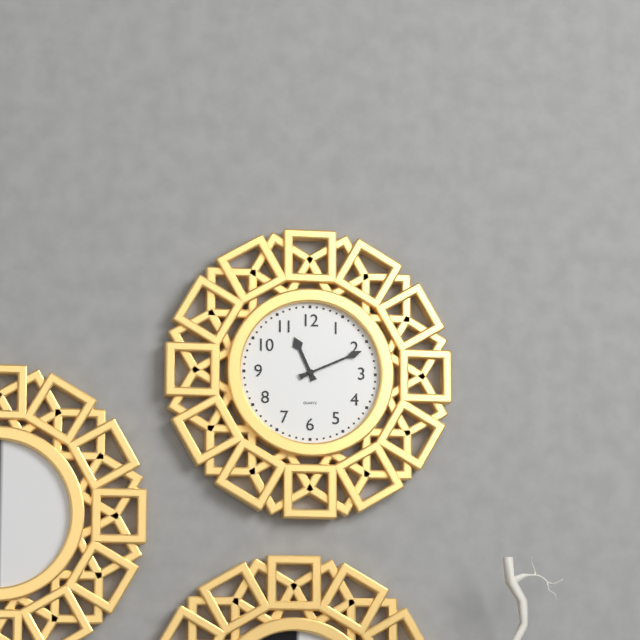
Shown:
11 h 11 min
